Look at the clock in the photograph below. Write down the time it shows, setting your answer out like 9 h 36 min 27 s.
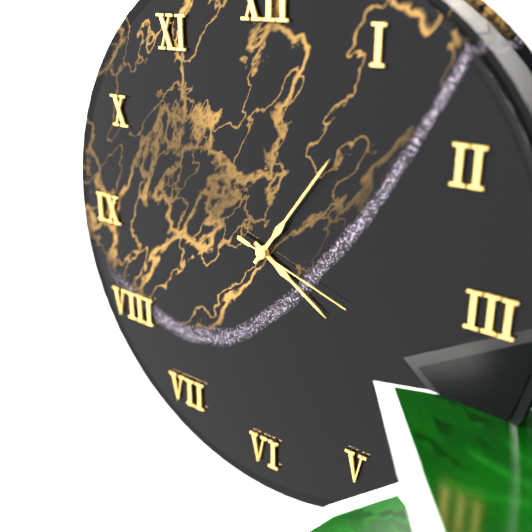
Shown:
4 h 06 min 18 s
